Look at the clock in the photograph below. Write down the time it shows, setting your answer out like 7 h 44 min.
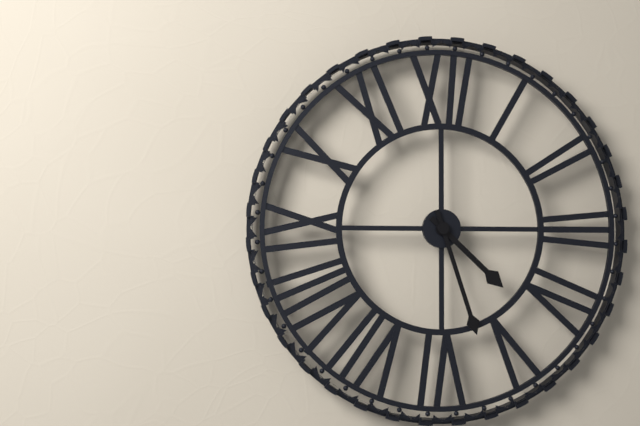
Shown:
4 h 27 min
